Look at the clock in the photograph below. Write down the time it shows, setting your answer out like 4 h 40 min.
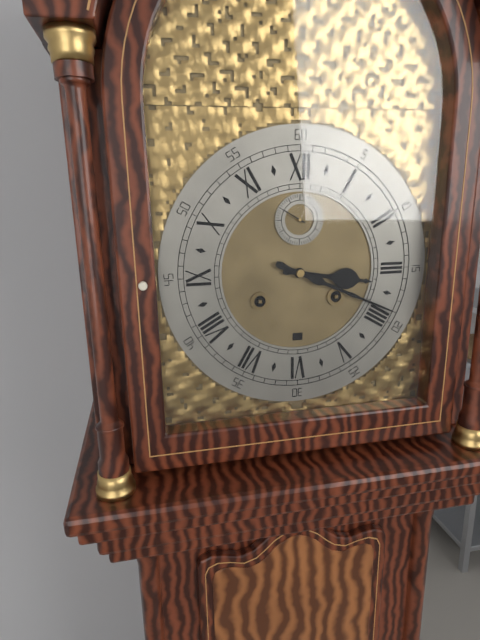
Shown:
3 h 19 min
